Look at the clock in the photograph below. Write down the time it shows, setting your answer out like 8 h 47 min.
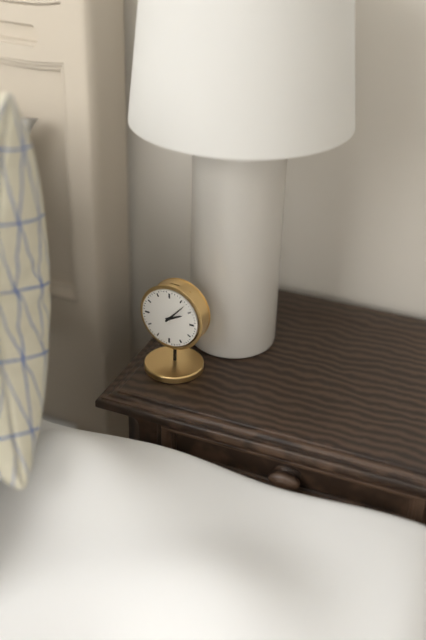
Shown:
2 h 07 min
